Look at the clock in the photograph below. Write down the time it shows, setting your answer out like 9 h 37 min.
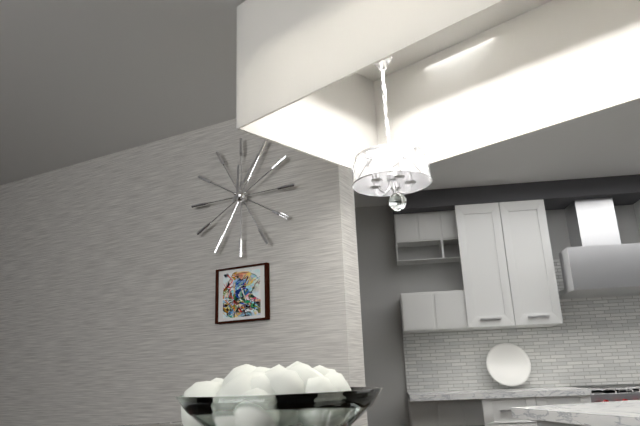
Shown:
12 h 06 min
